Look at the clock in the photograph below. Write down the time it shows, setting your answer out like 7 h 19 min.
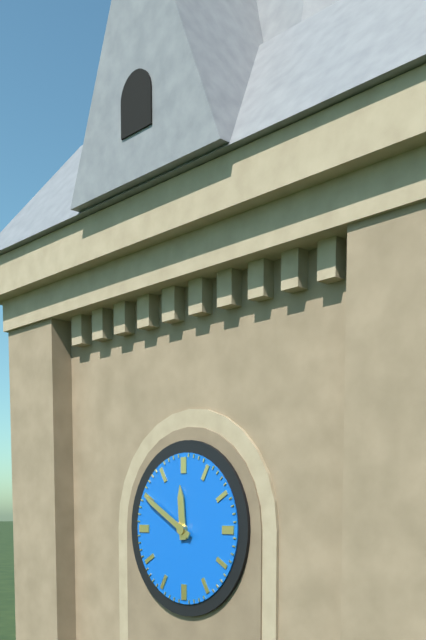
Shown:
11 h 50 min
